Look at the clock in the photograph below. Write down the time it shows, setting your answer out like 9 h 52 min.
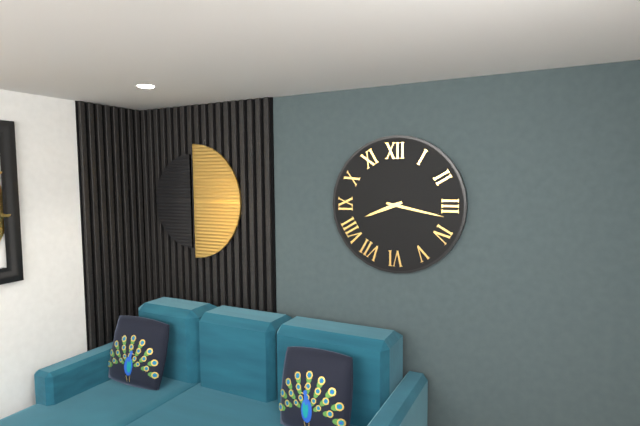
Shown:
8 h 17 min
